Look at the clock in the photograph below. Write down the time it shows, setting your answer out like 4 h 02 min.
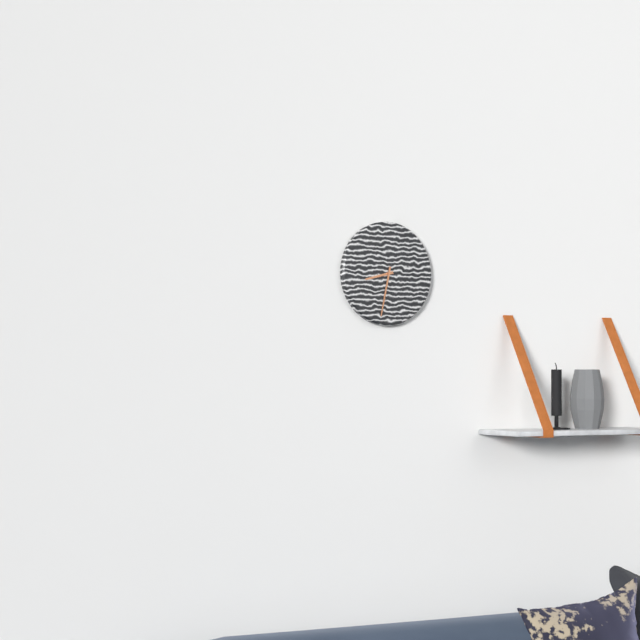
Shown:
8 h 32 min
